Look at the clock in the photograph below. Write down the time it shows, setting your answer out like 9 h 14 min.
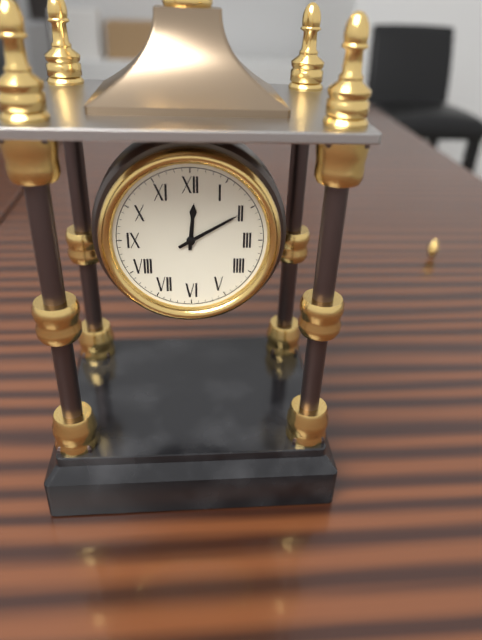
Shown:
12 h 10 min
